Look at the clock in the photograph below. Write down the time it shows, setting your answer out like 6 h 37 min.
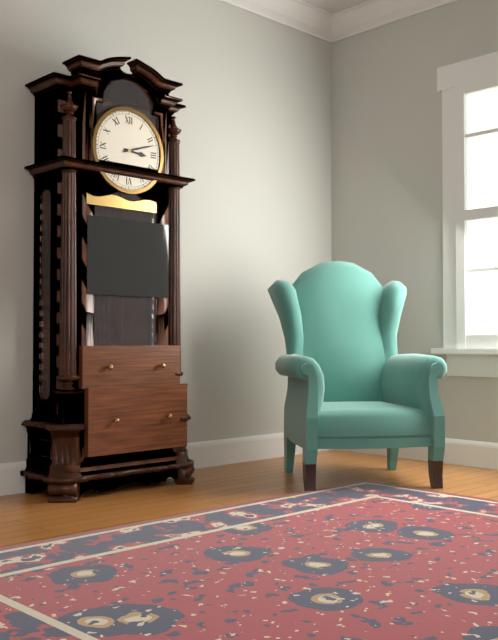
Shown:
3 h 12 min
